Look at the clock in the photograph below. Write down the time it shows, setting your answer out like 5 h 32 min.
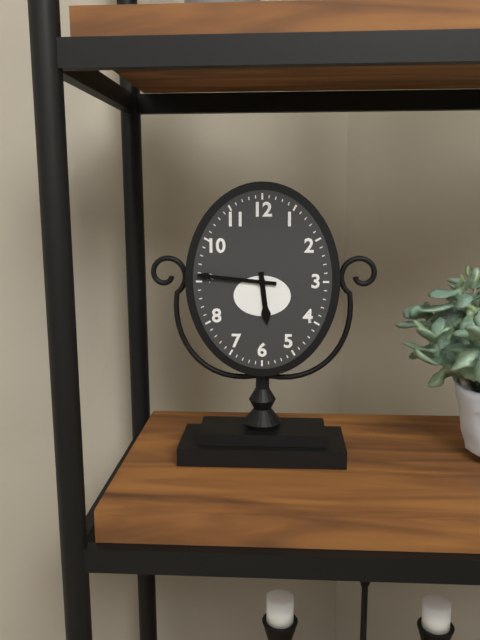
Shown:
5 h 46 min
